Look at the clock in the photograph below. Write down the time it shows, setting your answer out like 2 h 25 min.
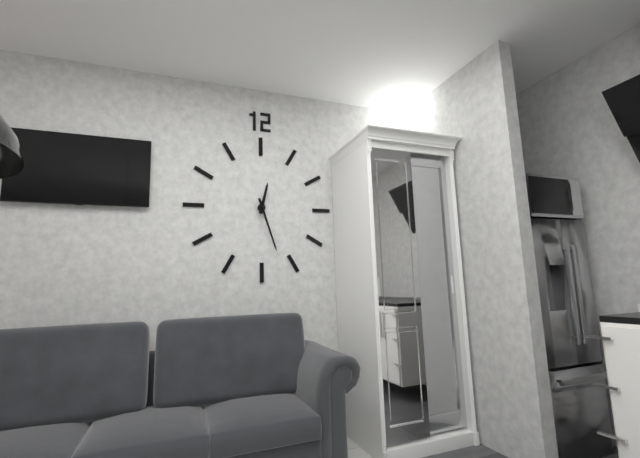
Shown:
12 h 27 min
